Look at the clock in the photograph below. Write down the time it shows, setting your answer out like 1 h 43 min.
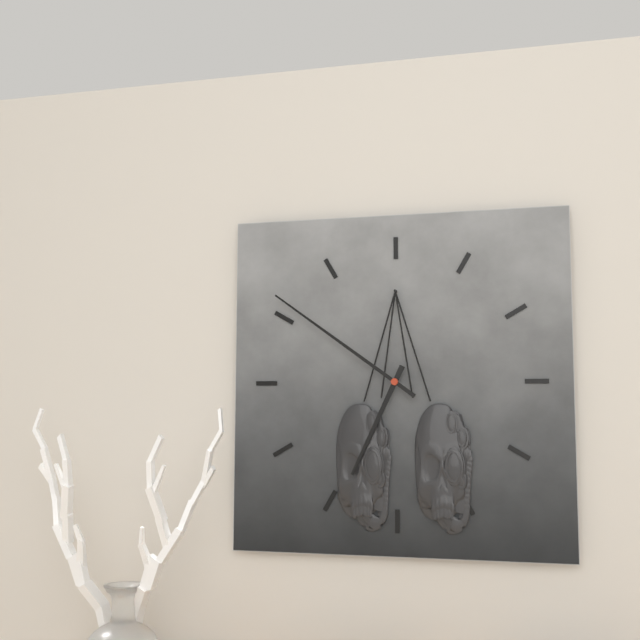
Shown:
6 h 51 min
